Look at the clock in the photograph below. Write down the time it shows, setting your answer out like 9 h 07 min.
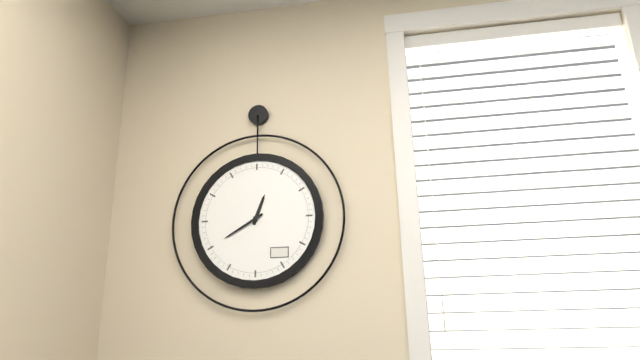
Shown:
12 h 40 min
